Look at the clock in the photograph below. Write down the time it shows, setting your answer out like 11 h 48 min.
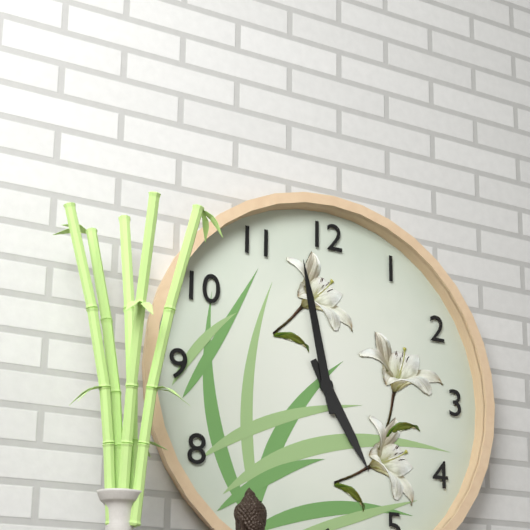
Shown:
4 h 58 min
